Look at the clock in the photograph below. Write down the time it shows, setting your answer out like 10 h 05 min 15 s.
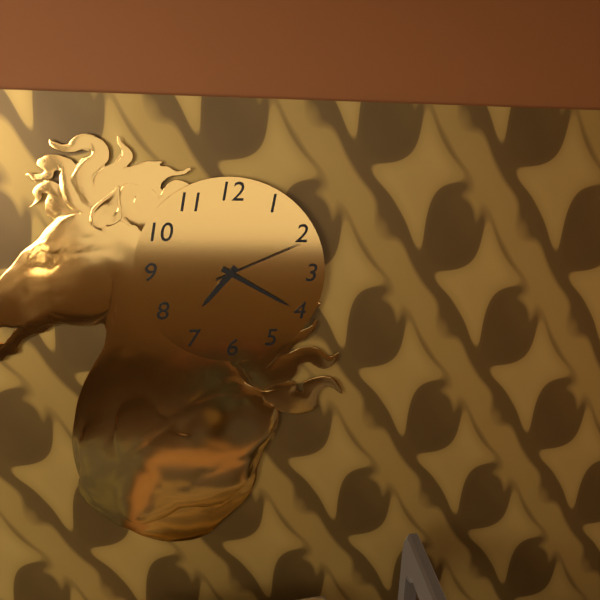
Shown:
7 h 20 min 11 s
